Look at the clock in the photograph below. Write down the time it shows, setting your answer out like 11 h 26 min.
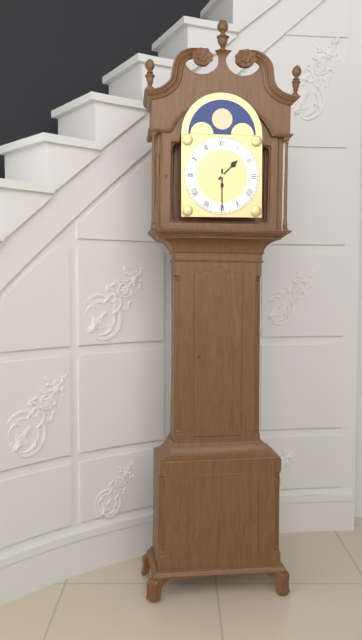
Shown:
1 h 30 min
